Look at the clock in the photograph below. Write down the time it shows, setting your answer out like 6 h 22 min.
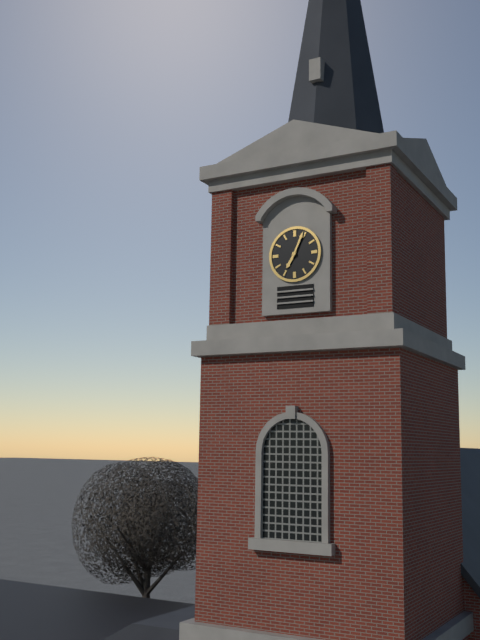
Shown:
7 h 04 min
